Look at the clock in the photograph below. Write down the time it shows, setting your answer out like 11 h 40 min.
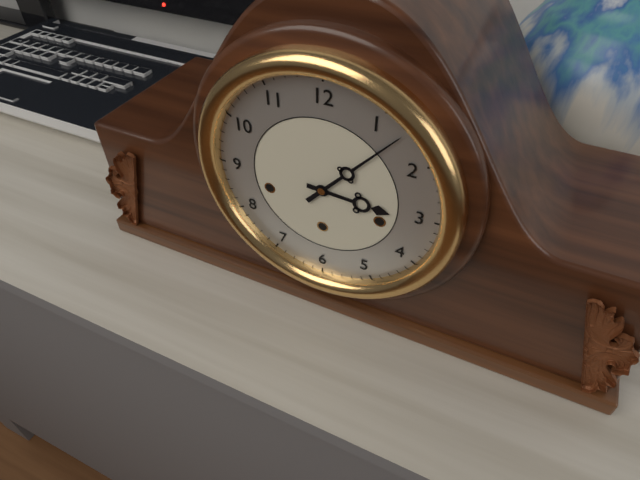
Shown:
3 h 07 min
